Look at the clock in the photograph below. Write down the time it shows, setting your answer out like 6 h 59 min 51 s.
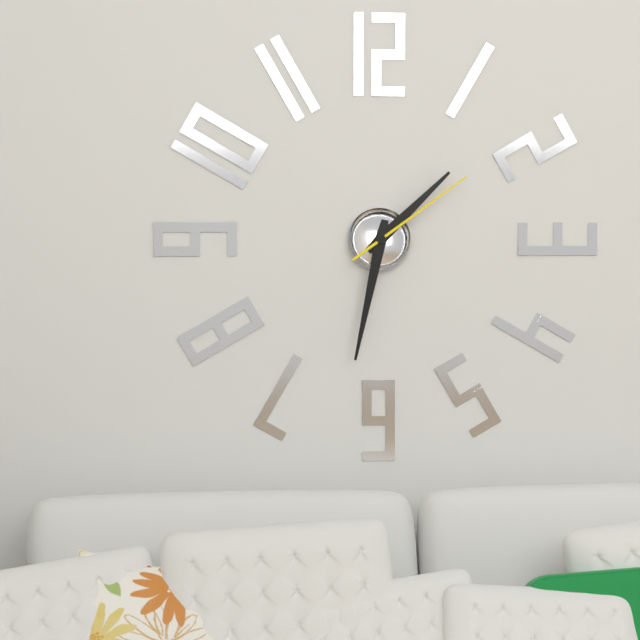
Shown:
1 h 32 min 09 s
